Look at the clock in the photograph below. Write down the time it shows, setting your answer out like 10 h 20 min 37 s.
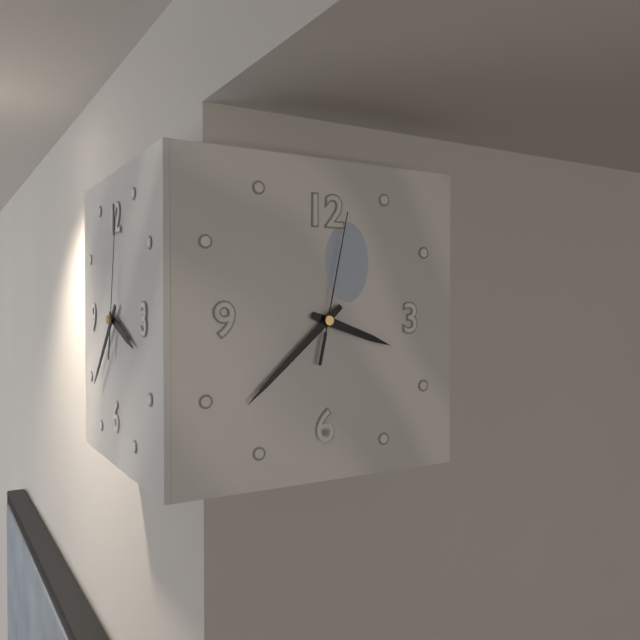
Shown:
3 h 38 min 02 s
